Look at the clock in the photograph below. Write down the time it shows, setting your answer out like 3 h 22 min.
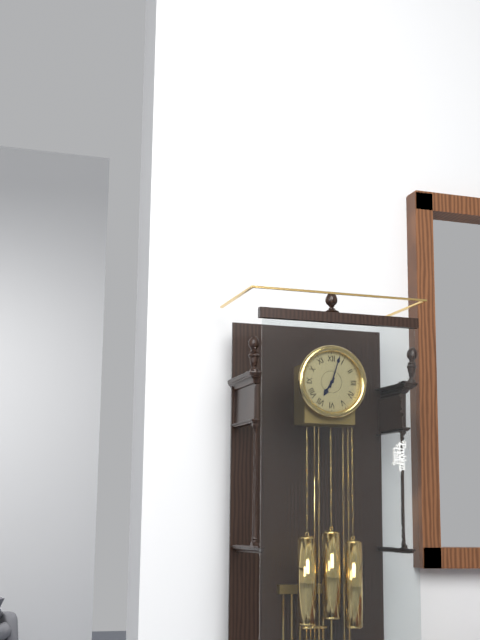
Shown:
7 h 03 min
